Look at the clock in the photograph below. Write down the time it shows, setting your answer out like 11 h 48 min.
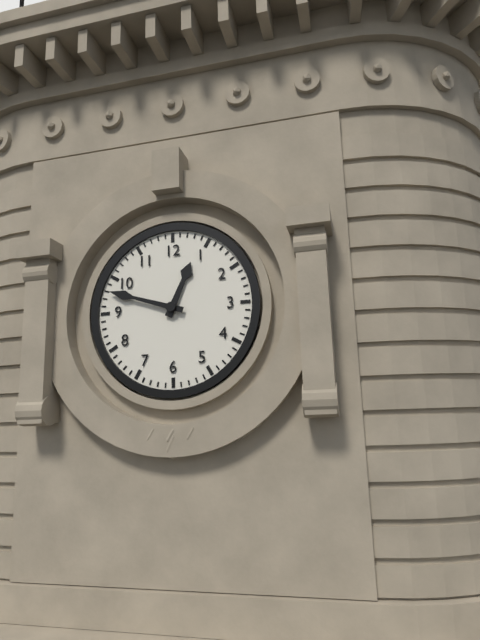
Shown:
12 h 48 min
